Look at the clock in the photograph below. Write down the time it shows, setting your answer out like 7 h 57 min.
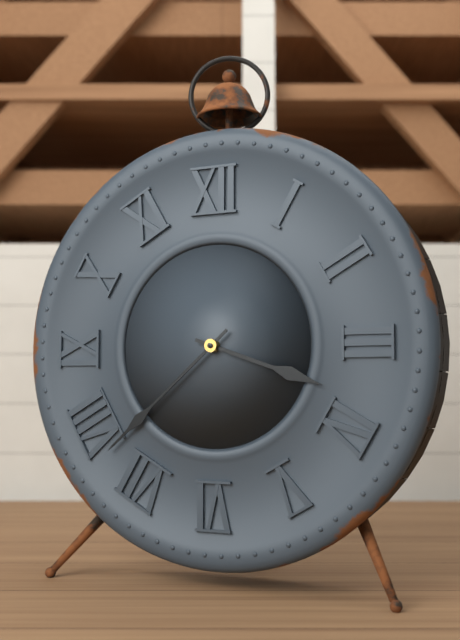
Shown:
3 h 38 min
